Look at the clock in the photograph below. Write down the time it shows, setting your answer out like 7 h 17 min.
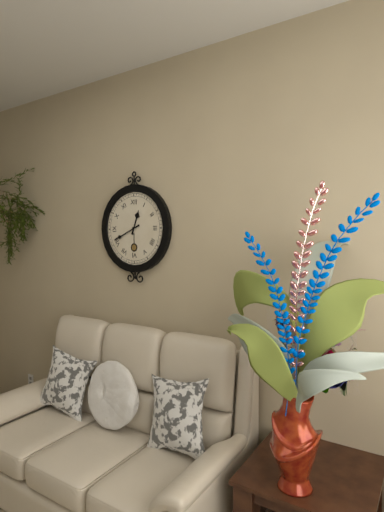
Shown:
12 h 41 min
